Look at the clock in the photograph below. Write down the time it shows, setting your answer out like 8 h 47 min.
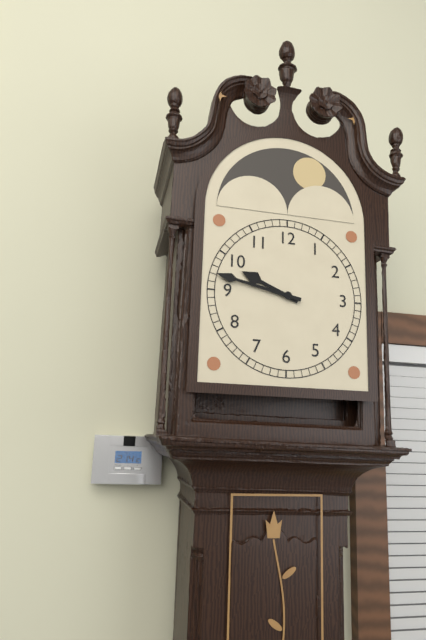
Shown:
9 h 47 min
